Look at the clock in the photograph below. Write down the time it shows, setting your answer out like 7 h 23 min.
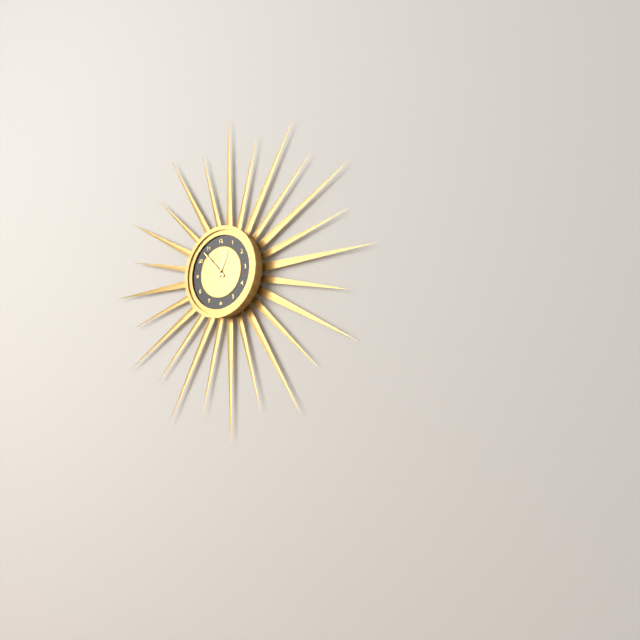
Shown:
12 h 53 min
